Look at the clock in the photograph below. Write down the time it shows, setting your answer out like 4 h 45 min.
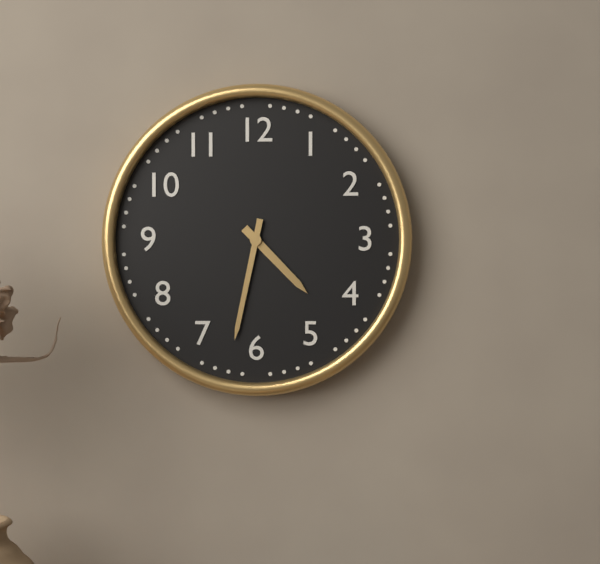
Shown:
4 h 32 min
